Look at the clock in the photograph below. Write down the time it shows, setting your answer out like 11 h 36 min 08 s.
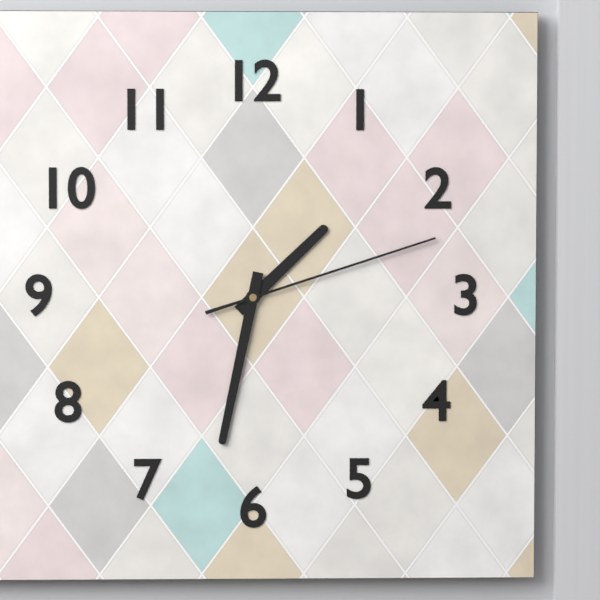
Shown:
1 h 32 min 12 s
